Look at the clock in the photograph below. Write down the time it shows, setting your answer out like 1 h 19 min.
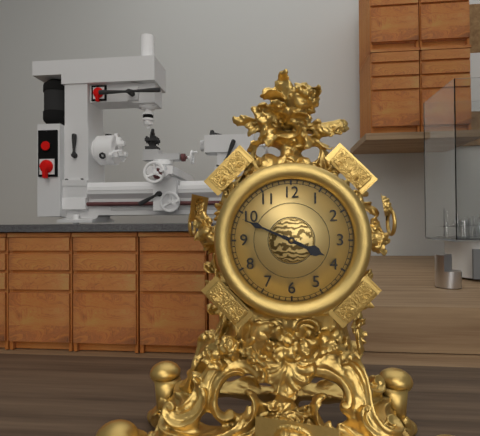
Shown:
3 h 49 min
